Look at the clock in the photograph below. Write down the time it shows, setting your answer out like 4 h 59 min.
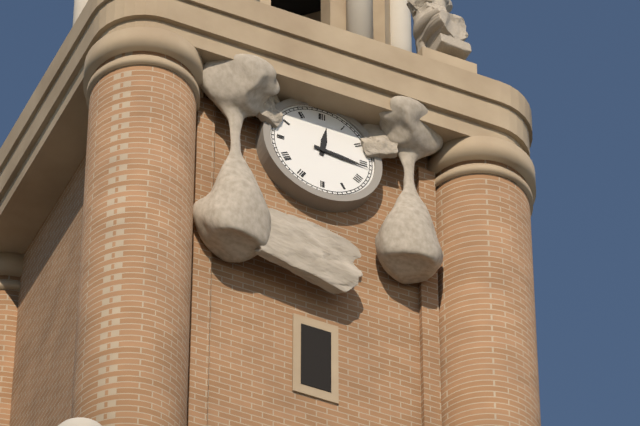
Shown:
12 h 16 min
